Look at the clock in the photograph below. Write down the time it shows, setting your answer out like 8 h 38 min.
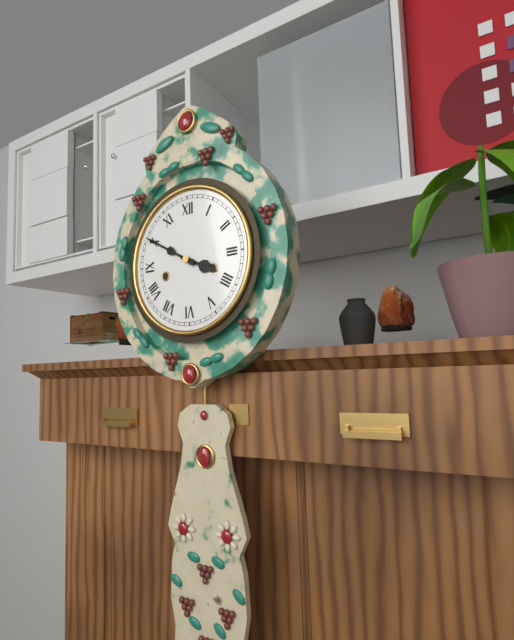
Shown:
3 h 50 min
